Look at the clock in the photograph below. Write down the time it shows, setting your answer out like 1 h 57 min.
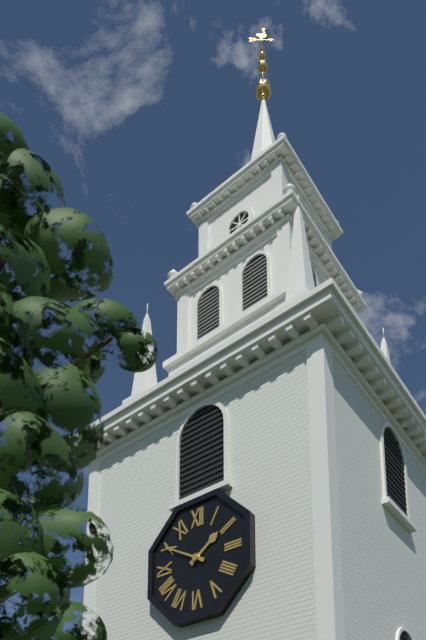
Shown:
1 h 50 min
